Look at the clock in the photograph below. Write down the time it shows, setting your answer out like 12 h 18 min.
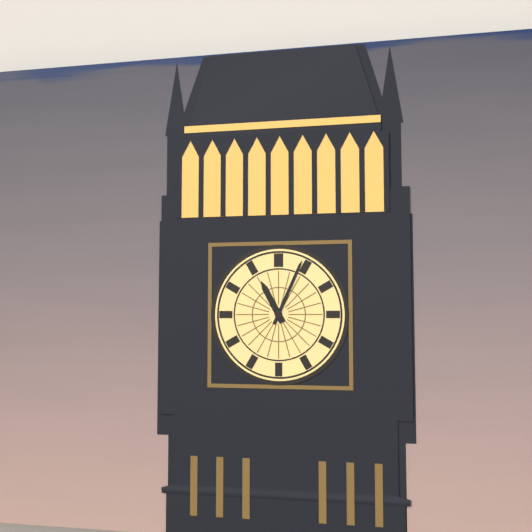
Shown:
11 h 04 min
